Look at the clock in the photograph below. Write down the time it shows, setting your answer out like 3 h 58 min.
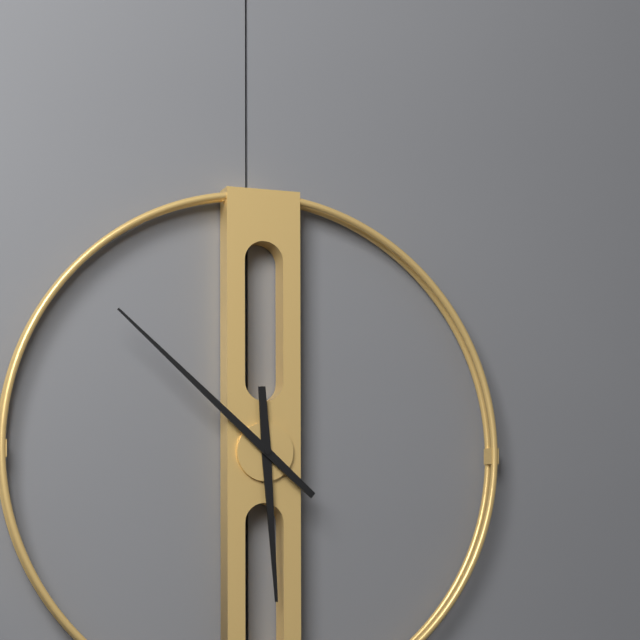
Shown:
5 h 52 min
